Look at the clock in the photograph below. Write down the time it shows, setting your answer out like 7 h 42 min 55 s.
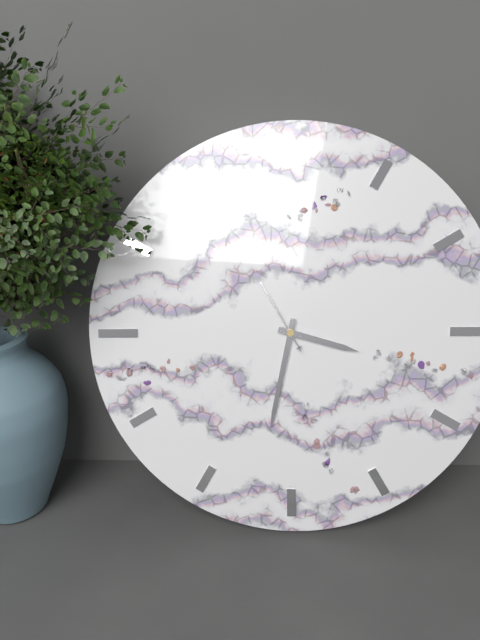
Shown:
3 h 32 min 55 s
